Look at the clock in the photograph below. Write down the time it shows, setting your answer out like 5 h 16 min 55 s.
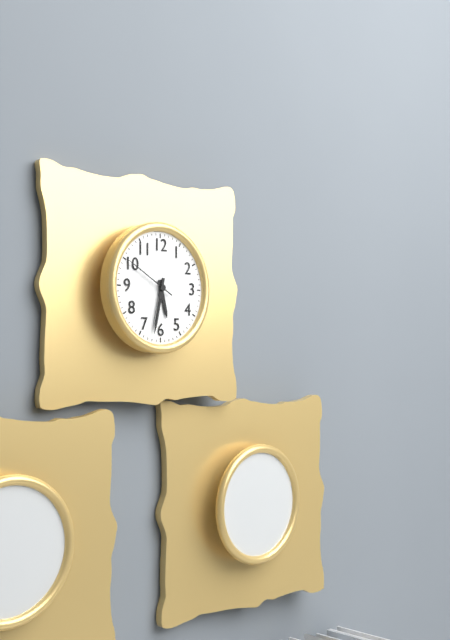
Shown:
5 h 32 min 50 s
